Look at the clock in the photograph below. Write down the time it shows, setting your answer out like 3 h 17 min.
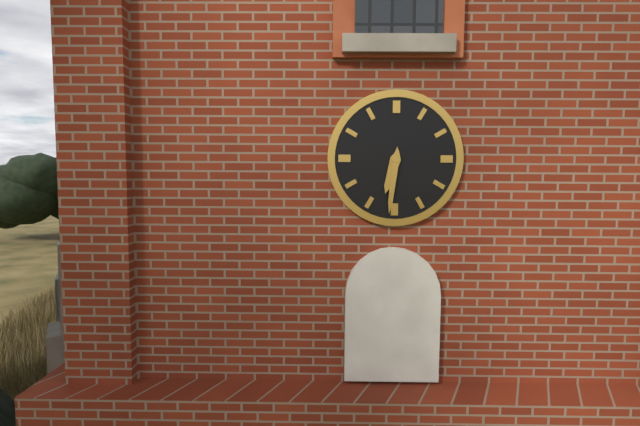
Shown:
6 h 31 min
